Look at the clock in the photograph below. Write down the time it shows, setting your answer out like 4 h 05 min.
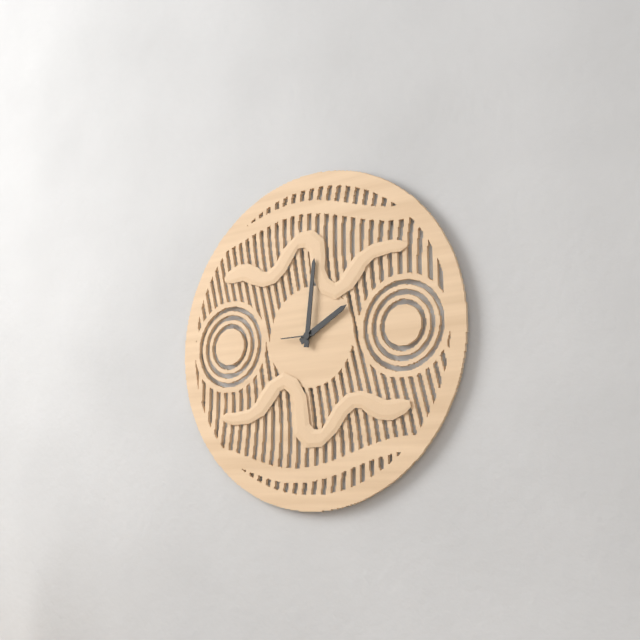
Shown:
2 h 01 min
